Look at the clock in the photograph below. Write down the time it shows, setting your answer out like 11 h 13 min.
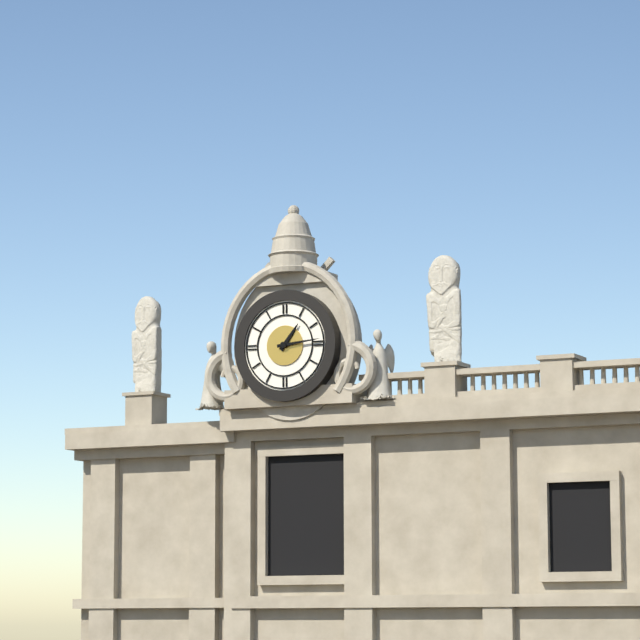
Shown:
1 h 14 min
